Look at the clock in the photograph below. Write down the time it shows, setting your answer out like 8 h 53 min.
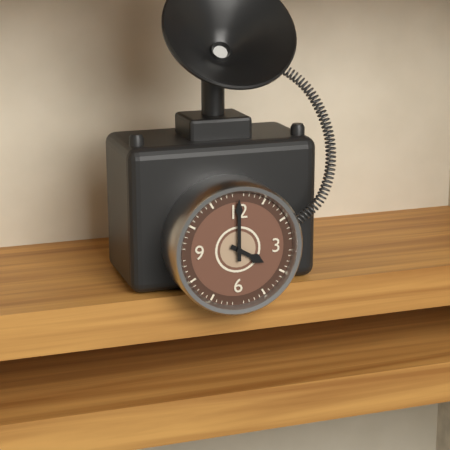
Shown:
4 h 00 min
